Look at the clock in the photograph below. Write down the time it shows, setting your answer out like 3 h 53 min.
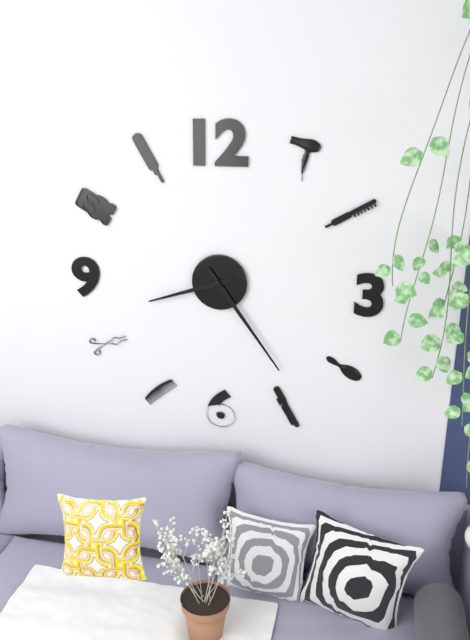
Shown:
8 h 24 min
